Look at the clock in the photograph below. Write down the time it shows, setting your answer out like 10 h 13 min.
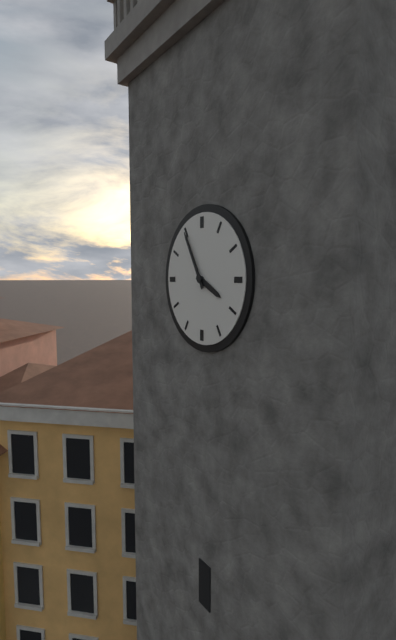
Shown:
3 h 55 min
